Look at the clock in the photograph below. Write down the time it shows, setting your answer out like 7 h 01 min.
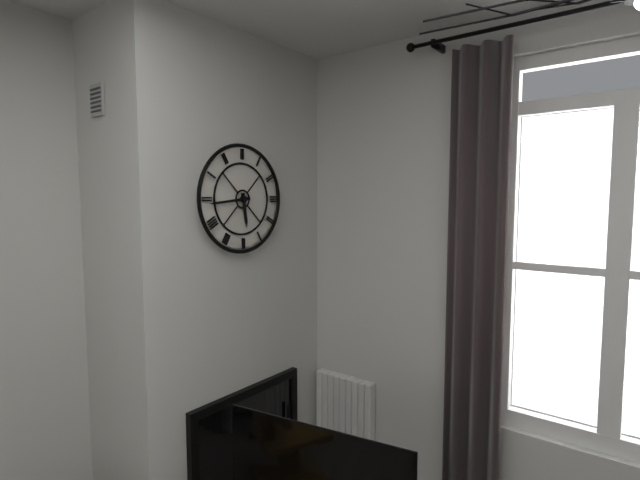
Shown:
5 h 44 min
